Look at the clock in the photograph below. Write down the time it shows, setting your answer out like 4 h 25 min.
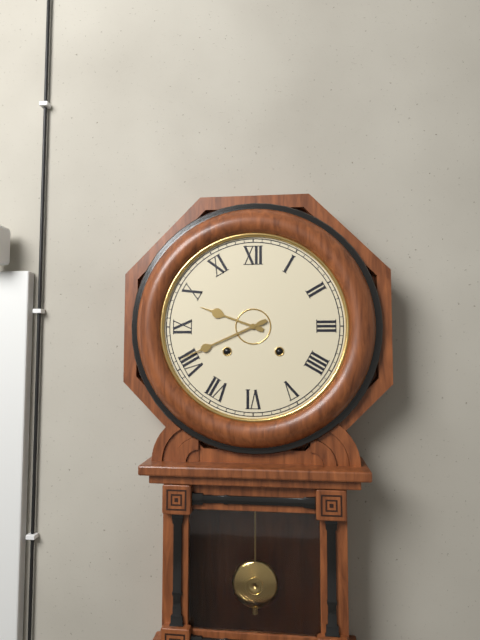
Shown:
9 h 41 min
